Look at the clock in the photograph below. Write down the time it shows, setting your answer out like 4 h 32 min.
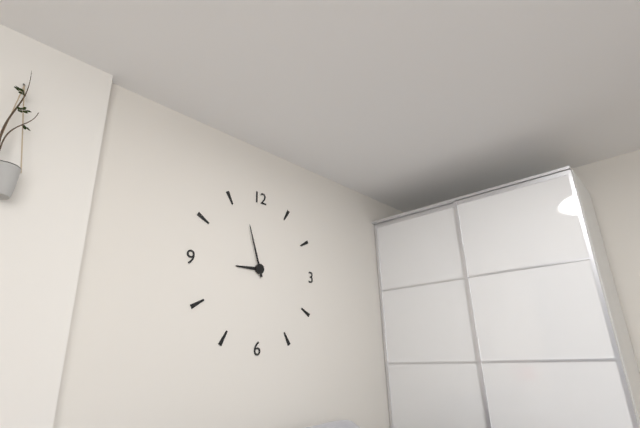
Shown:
8 h 57 min
